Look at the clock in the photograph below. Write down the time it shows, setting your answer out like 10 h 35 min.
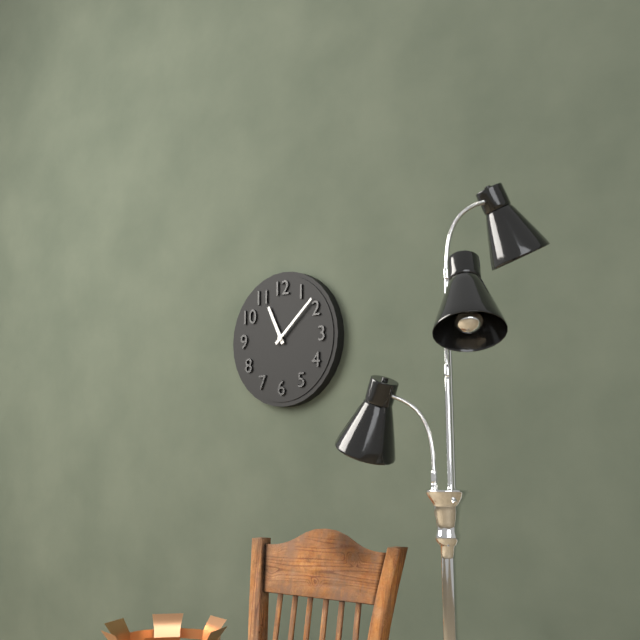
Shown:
11 h 08 min
